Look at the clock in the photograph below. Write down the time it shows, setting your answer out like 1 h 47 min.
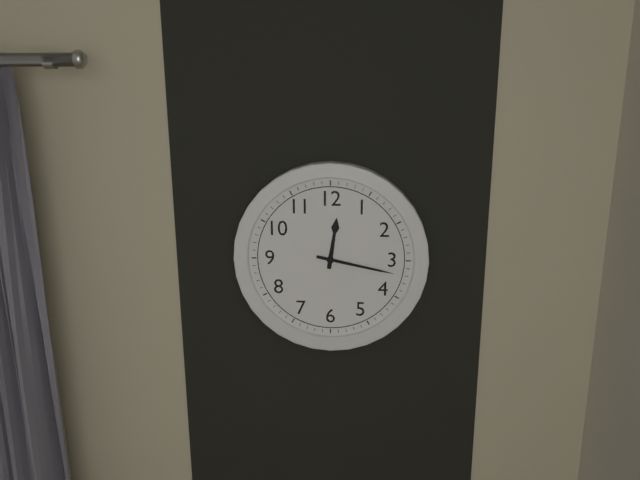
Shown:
12 h 17 min
